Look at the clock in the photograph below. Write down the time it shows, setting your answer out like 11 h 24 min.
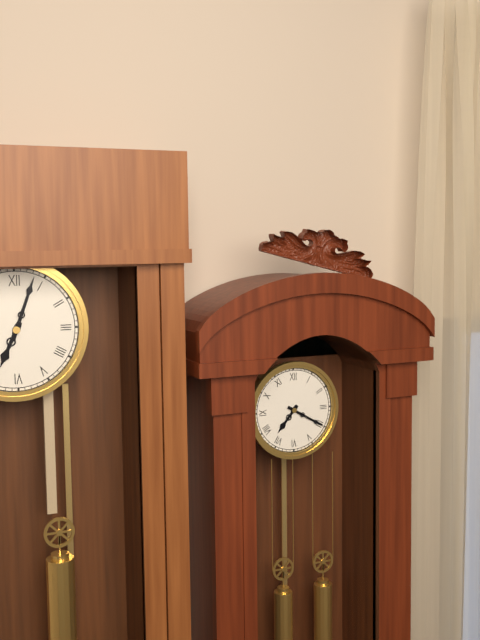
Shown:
7 h 20 min
